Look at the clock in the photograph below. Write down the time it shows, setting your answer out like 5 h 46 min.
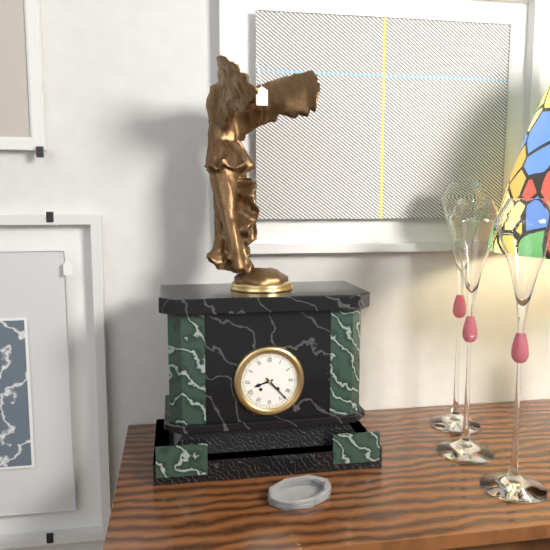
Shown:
8 h 23 min
